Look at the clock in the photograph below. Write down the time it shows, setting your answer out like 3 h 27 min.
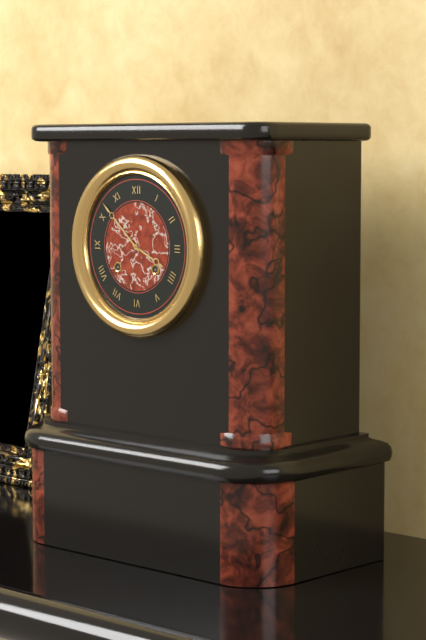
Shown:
3 h 52 min
